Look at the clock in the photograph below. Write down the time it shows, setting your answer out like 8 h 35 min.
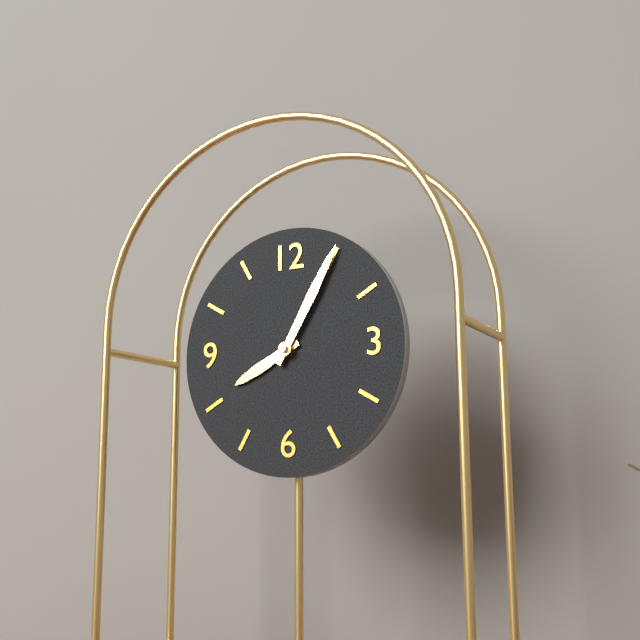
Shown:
8 h 05 min
